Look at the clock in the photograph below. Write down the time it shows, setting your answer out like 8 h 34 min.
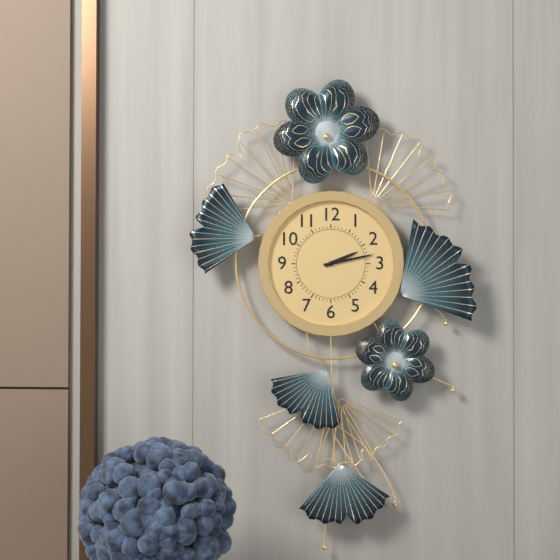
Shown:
2 h 13 min
